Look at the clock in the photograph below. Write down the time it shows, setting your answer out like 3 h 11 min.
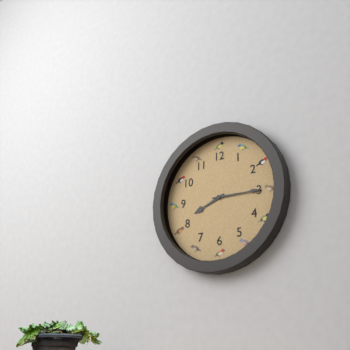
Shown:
8 h 15 min
